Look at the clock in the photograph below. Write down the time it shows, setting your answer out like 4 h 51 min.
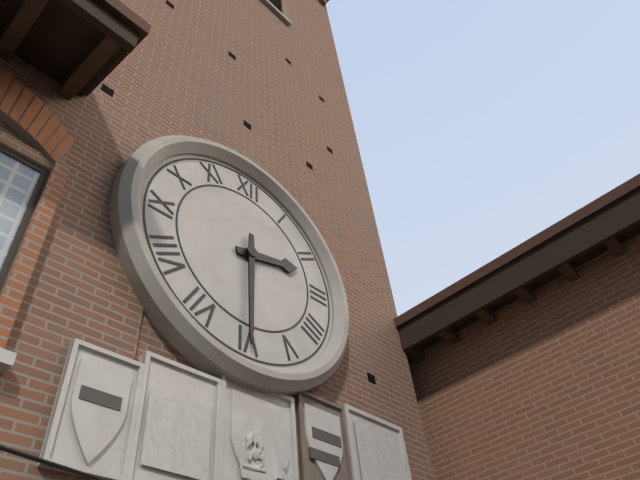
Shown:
2 h 30 min
